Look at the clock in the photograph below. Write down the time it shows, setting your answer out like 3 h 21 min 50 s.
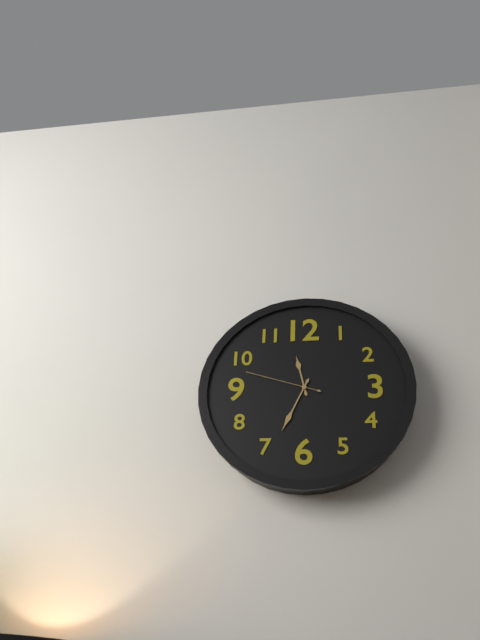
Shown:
11 h 34 min 48 s
